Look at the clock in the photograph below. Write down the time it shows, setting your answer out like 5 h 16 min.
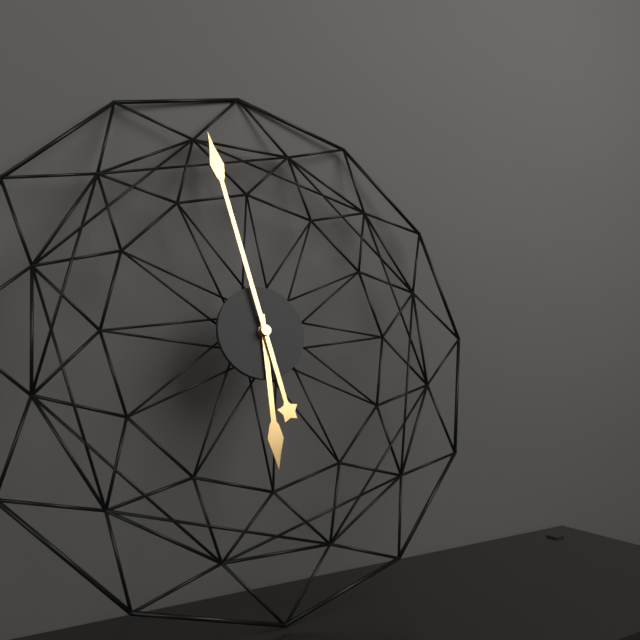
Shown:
5 h 58 min
